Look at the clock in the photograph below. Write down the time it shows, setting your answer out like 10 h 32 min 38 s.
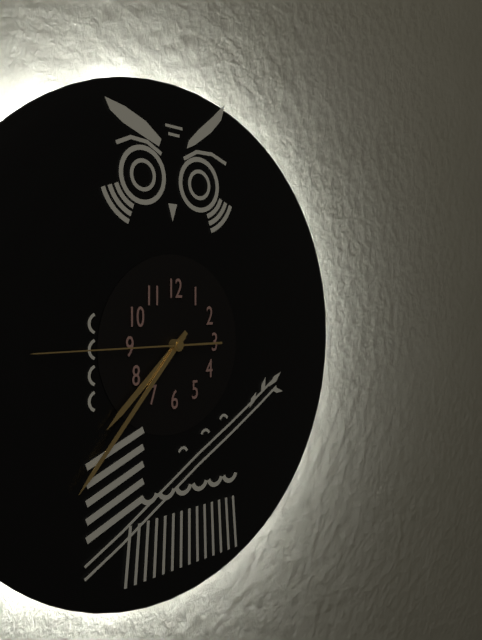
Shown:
7 h 37 min 45 s
